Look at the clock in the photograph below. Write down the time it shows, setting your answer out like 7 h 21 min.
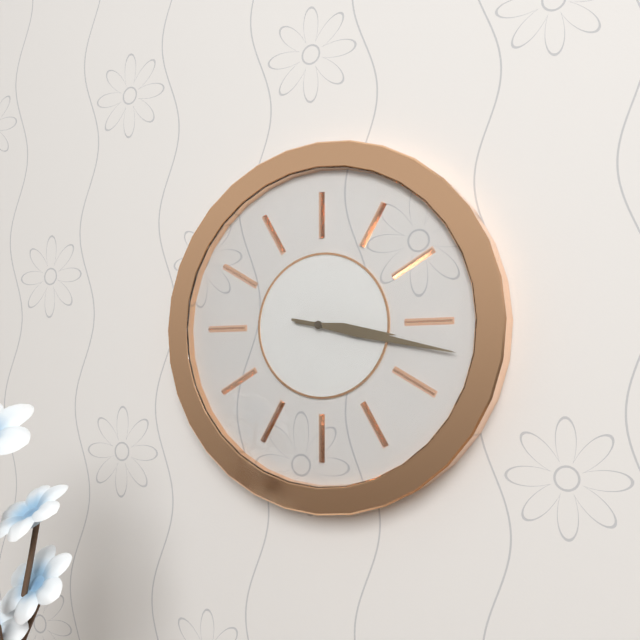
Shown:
3 h 17 min
